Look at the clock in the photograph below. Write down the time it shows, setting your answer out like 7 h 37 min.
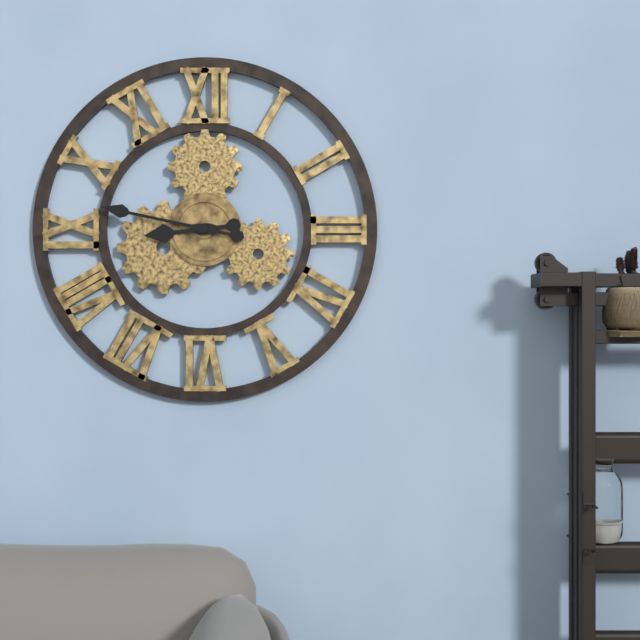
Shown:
8 h 47 min
